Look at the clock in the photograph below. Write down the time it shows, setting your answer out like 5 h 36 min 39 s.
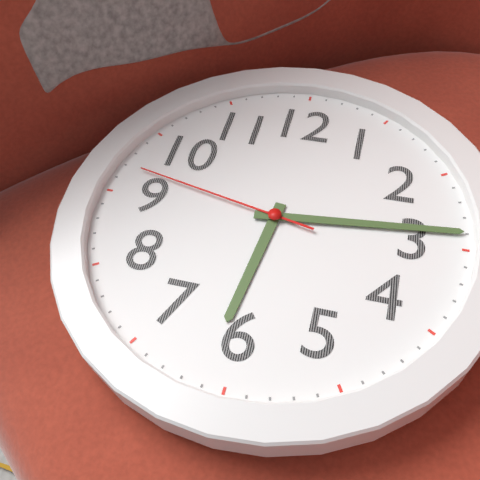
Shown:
6 h 14 min 47 s
